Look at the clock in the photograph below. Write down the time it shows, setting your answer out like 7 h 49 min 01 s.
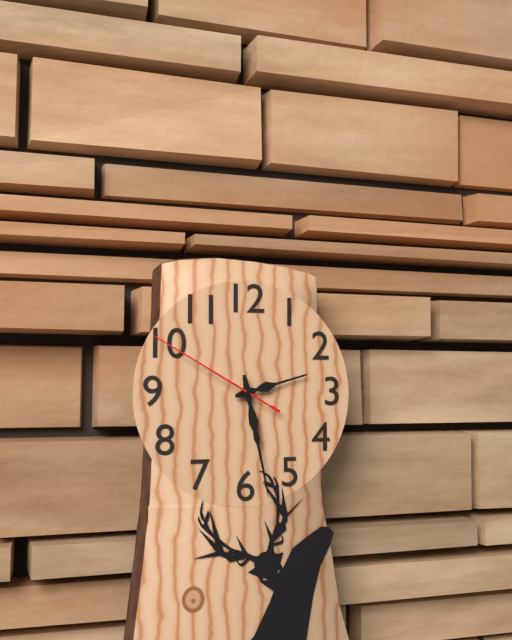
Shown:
2 h 28 min 50 s
